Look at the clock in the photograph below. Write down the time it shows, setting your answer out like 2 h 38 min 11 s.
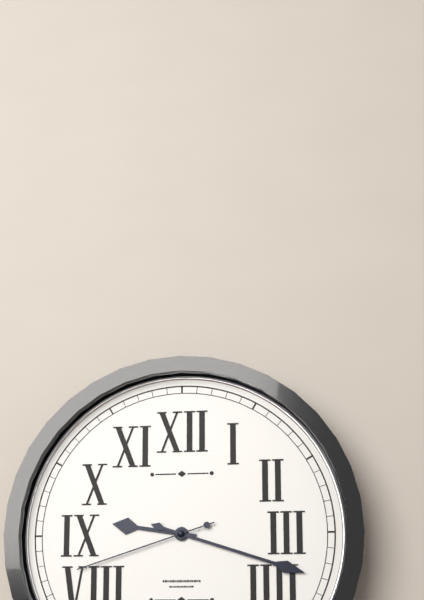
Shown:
9 h 18 min 42 s
